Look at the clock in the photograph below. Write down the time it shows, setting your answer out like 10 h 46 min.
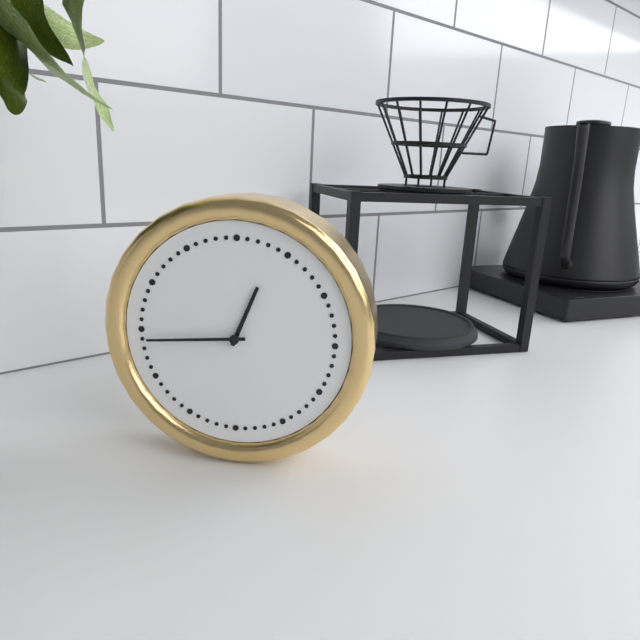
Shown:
12 h 44 min
